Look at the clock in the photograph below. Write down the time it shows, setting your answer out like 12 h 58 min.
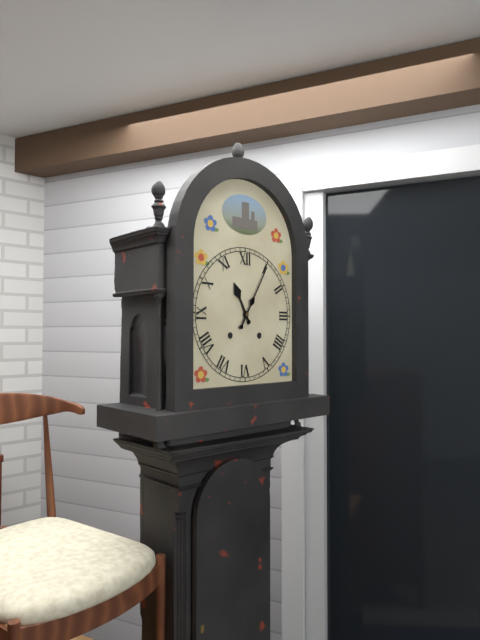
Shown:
11 h 05 min
